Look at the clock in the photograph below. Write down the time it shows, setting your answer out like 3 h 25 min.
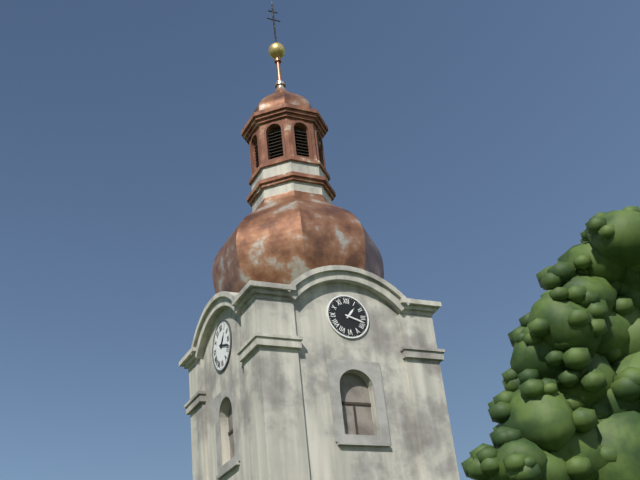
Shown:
1 h 18 min
